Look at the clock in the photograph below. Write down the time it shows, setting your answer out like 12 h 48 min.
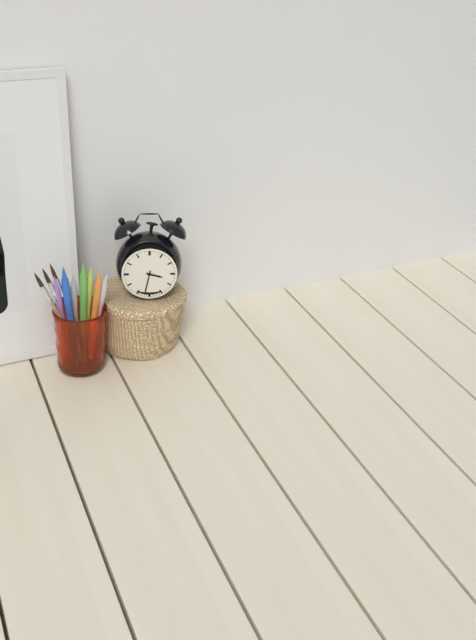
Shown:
3 h 32 min
